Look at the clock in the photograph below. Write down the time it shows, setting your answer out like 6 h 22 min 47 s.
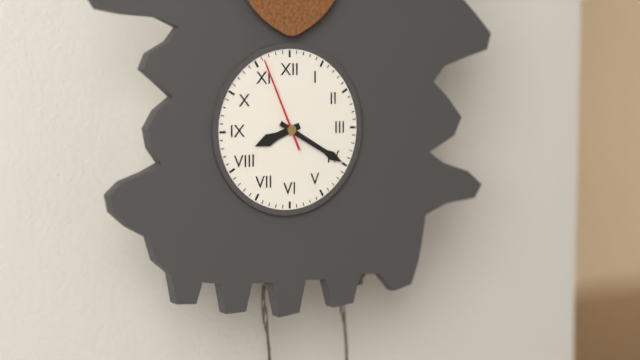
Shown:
8 h 20 min 56 s
